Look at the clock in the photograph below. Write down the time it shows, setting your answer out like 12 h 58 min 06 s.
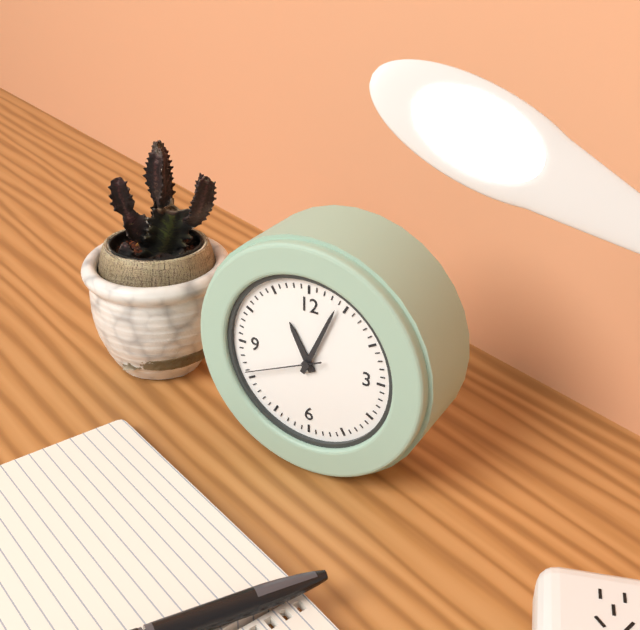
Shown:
11 h 04 min 41 s
